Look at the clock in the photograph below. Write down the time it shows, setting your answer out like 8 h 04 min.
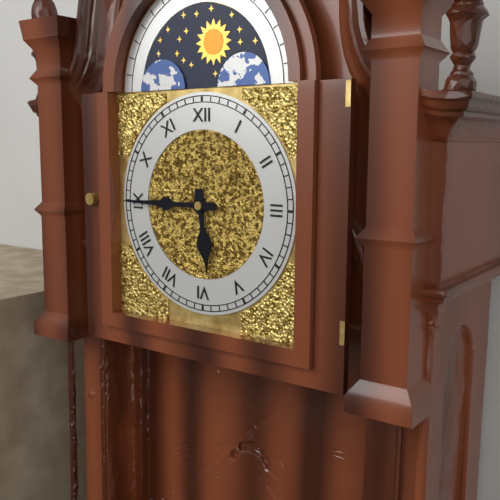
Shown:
5 h 45 min
